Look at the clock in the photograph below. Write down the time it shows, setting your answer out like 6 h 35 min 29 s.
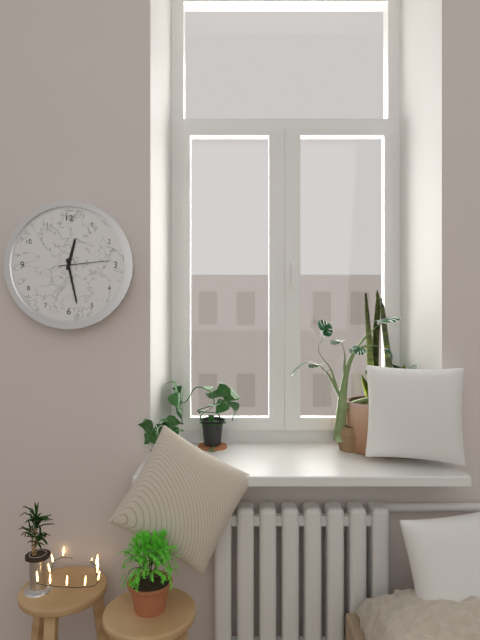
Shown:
12 h 28 min 14 s
